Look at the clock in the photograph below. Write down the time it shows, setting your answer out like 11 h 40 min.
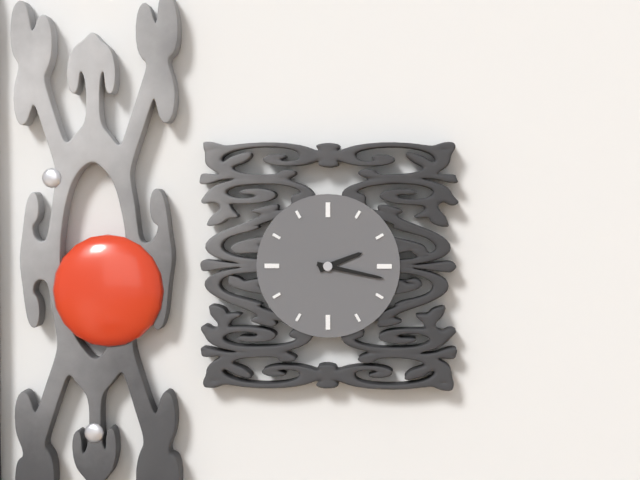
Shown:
2 h 17 min
